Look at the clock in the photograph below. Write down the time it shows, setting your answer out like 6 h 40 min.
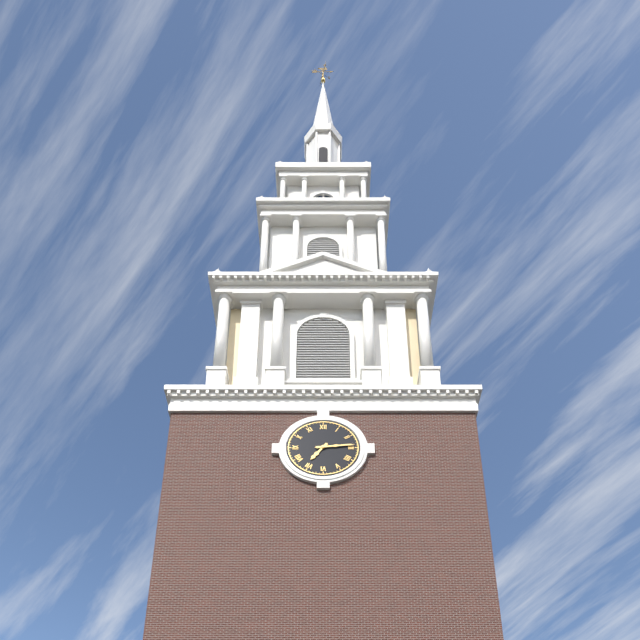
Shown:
7 h 14 min
